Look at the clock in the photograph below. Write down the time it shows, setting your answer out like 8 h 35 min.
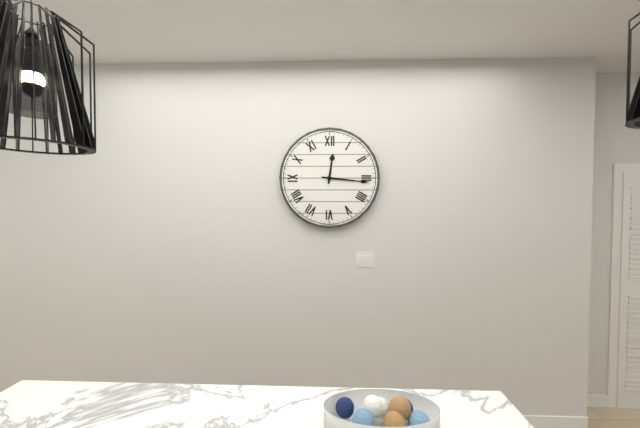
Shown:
12 h 16 min
